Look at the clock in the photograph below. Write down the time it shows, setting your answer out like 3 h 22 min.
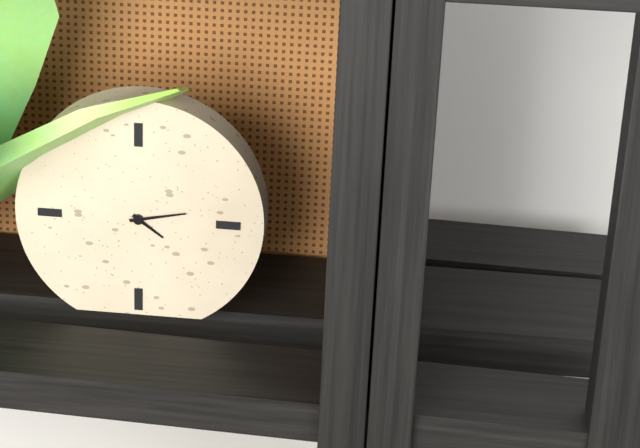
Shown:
4 h 13 min
